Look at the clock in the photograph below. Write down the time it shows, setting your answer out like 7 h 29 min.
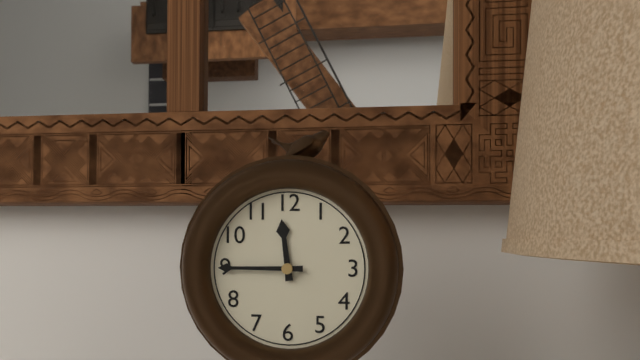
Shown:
11 h 45 min
